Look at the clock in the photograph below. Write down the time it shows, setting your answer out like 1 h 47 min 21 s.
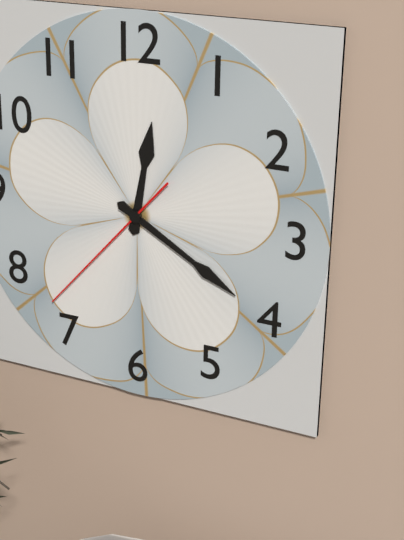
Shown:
12 h 20 min 37 s
